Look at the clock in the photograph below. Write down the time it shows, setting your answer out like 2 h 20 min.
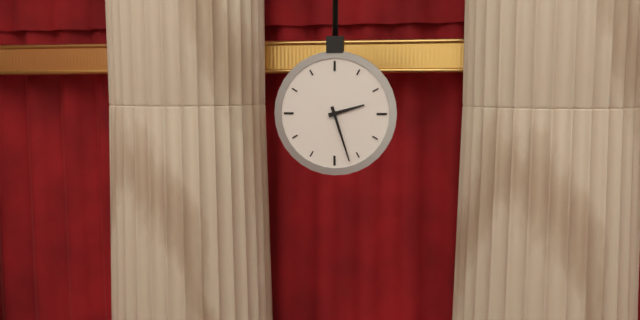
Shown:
2 h 27 min
